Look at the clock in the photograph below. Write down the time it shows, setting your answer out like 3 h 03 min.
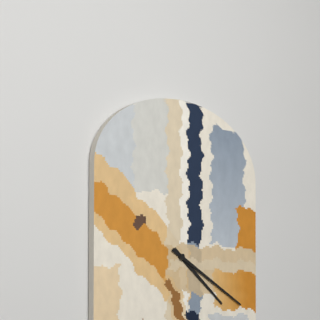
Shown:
4 h 20 min
